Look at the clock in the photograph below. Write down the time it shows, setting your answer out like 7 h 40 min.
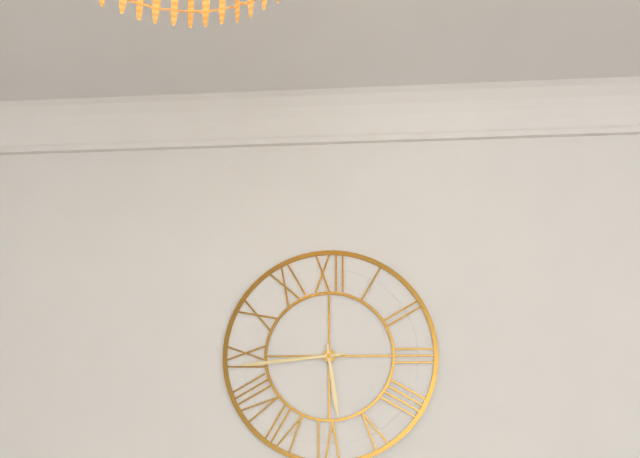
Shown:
5 h 44 min
